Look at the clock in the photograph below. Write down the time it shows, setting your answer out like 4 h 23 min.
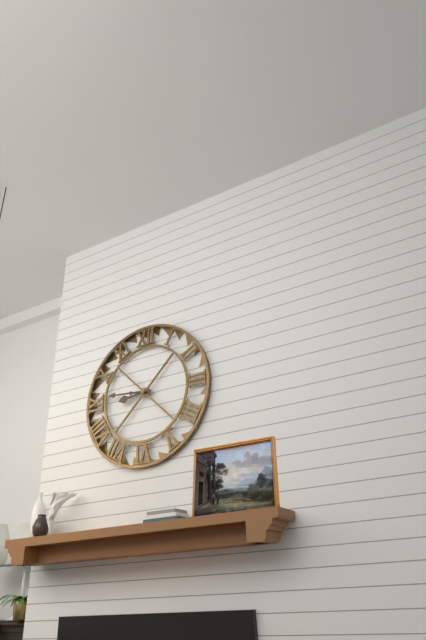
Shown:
8 h 46 min
